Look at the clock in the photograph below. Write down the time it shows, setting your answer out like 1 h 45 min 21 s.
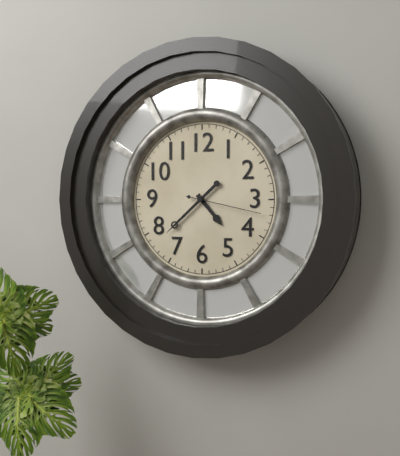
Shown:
4 h 38 min 17 s
